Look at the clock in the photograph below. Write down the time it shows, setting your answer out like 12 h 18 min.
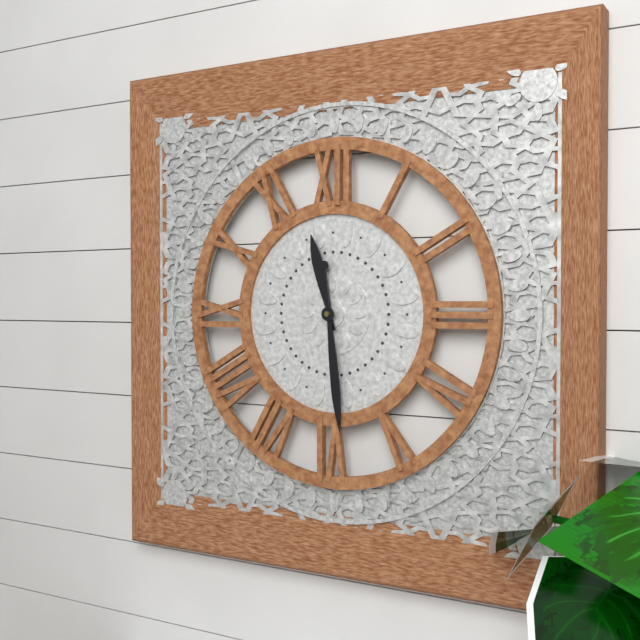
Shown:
11 h 29 min
